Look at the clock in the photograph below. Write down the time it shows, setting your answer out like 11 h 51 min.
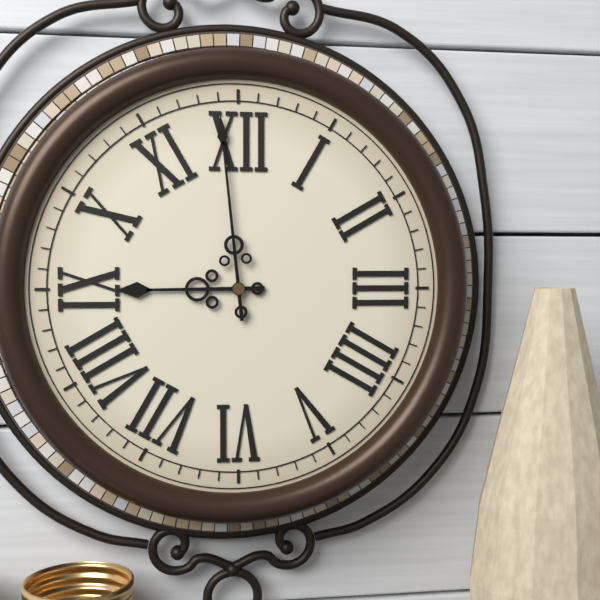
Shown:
8 h 59 min
